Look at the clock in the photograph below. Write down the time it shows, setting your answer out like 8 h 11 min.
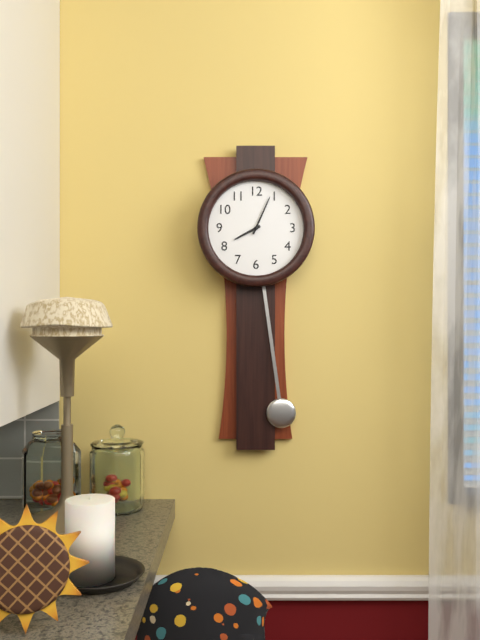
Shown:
8 h 04 min
